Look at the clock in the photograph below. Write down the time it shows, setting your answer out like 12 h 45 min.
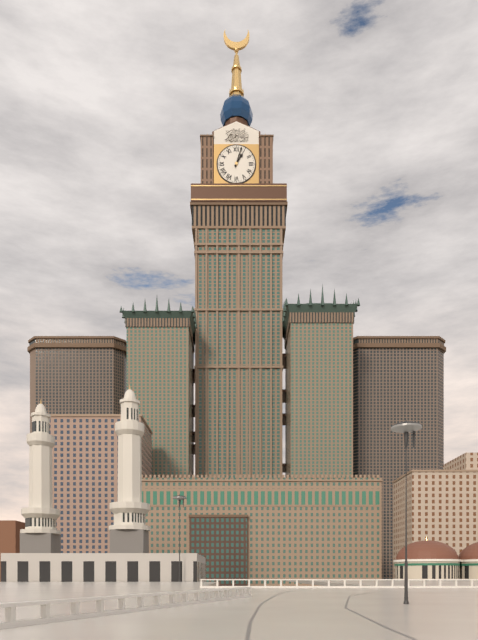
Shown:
1 h 03 min
